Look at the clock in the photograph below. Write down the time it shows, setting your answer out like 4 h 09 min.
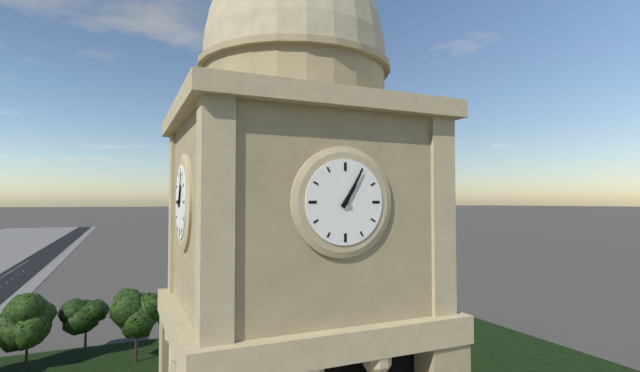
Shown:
1 h 05 min
